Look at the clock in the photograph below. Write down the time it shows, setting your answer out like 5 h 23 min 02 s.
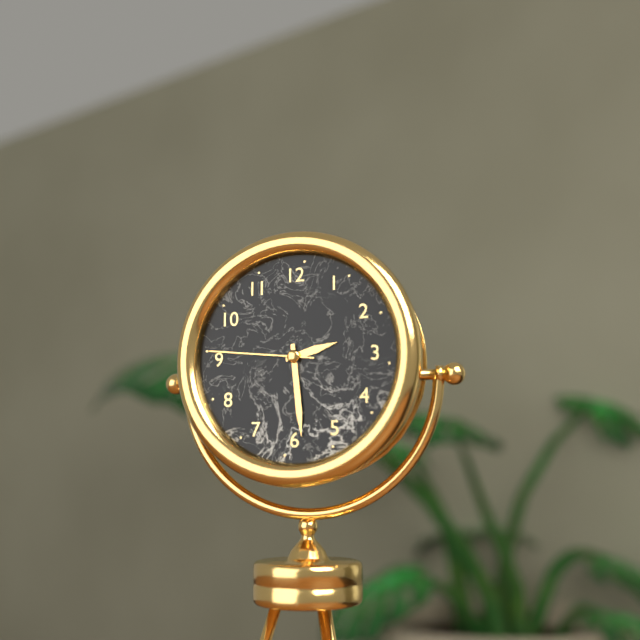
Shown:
2 h 29 min 46 s
